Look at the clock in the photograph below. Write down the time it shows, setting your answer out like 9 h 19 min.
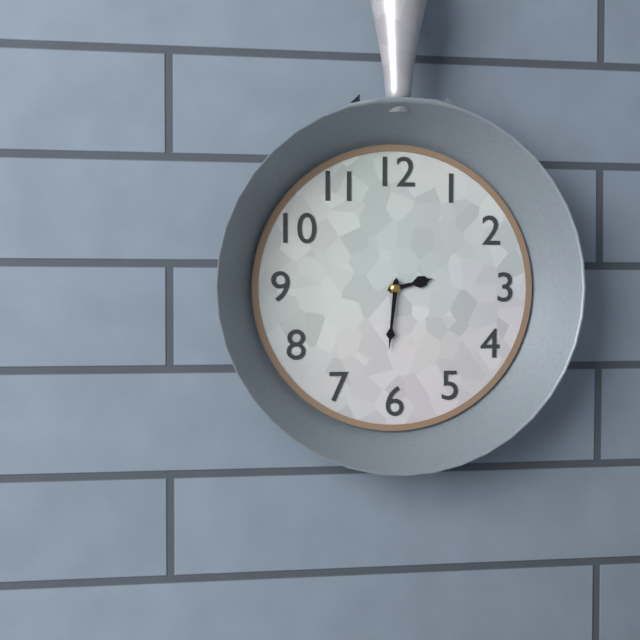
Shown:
2 h 31 min
